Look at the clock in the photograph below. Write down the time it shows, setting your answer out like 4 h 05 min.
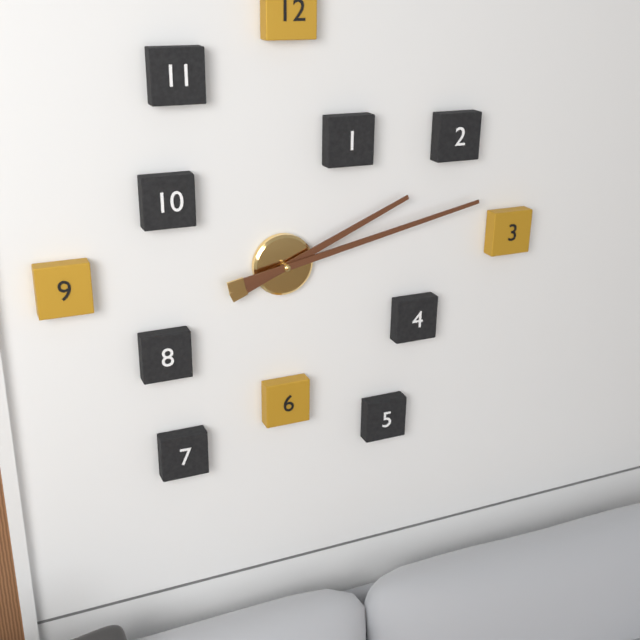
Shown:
2 h 13 min
